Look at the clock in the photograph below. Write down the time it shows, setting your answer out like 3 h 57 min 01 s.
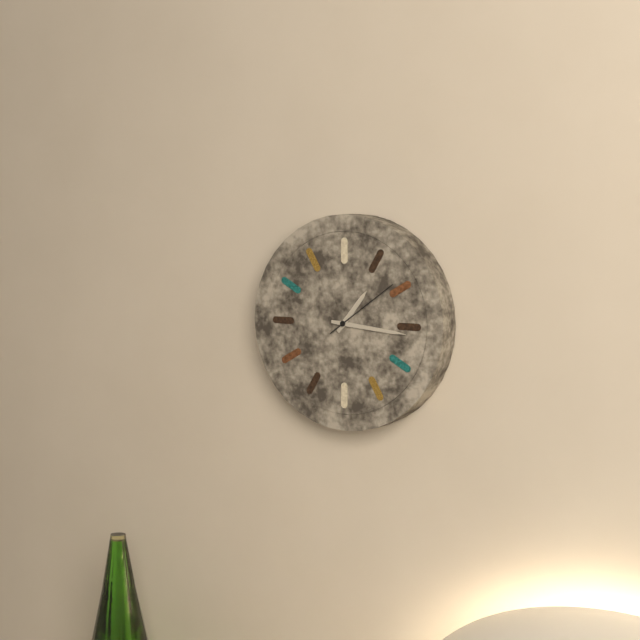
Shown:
1 h 16 min 09 s
